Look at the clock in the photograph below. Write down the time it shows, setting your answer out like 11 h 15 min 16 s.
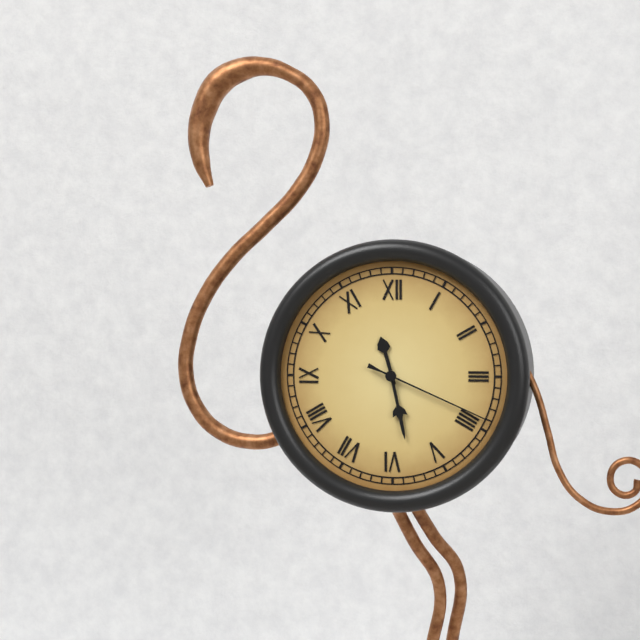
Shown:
11 h 28 min 19 s
